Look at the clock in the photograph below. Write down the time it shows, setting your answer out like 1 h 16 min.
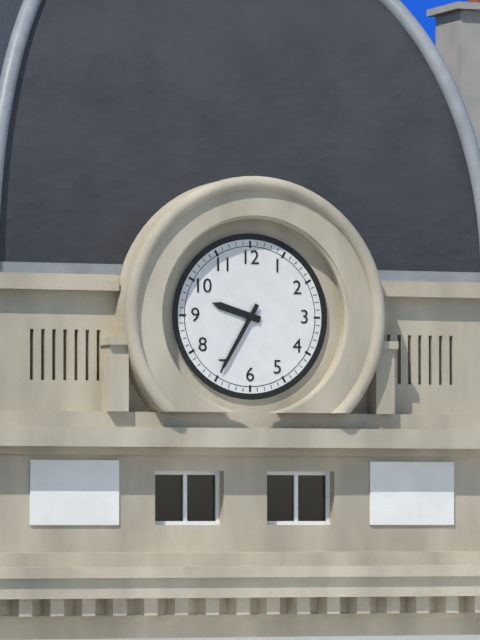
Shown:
9 h 35 min
